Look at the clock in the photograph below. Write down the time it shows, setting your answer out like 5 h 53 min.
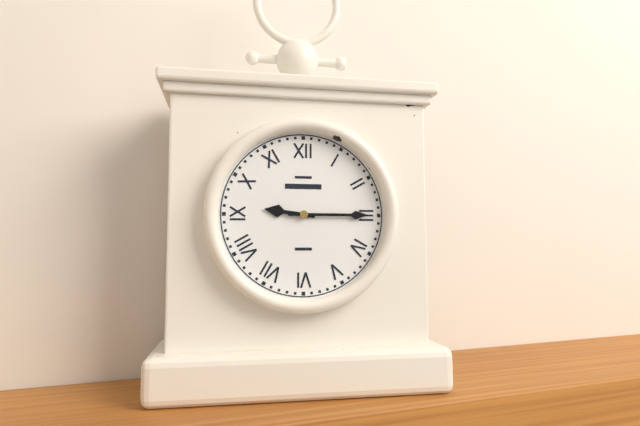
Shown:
9 h 15 min
